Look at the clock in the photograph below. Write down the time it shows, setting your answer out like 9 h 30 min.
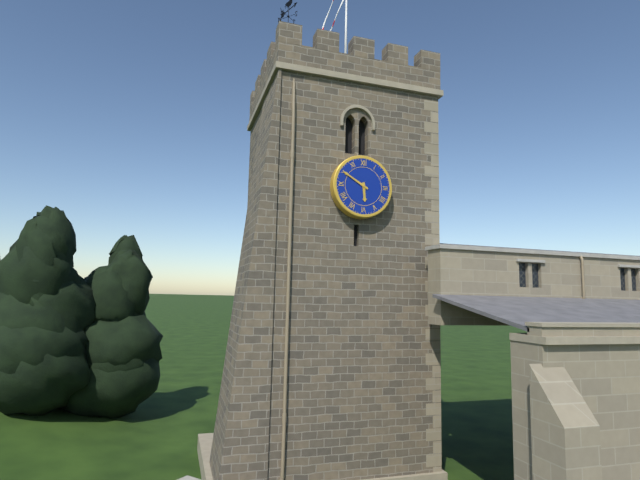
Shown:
5 h 50 min
